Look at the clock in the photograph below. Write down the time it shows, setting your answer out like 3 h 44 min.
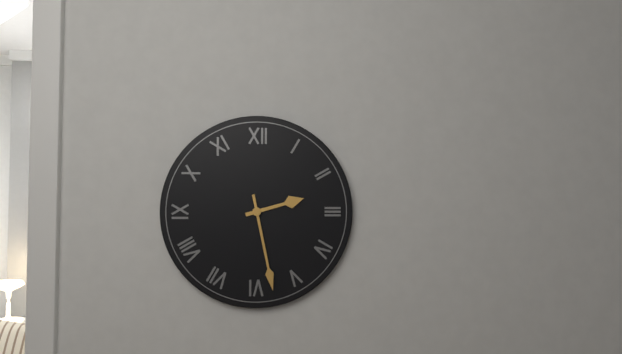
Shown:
2 h 28 min
